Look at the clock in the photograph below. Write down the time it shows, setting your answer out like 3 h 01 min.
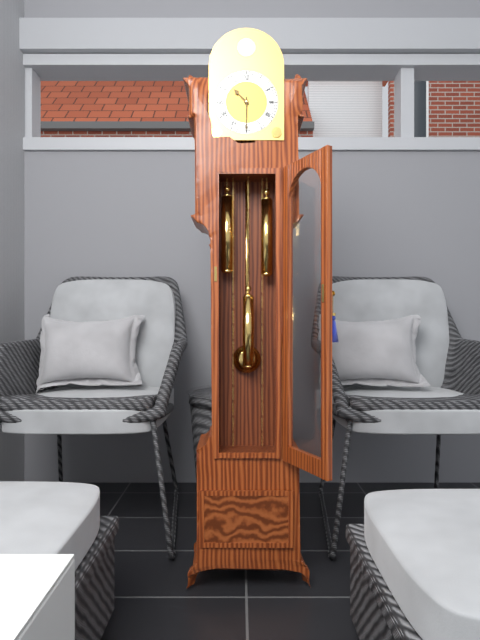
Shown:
10 h 30 min
